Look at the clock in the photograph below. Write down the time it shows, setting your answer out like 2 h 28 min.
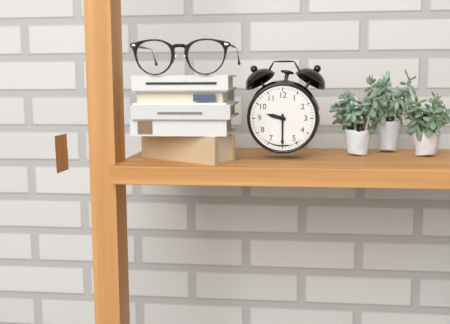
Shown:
9 h 30 min
